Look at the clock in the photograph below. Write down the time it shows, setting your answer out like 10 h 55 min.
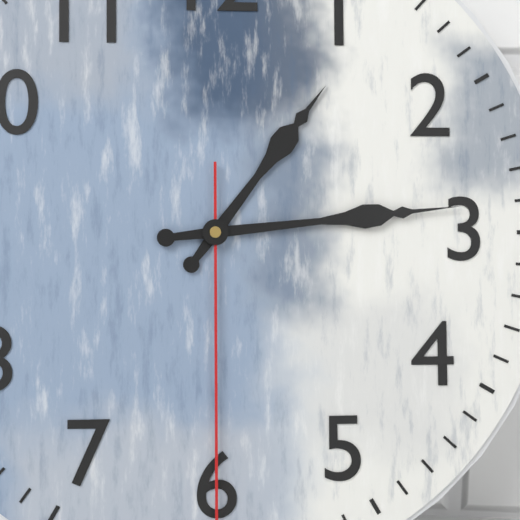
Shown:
1 h 14 min
